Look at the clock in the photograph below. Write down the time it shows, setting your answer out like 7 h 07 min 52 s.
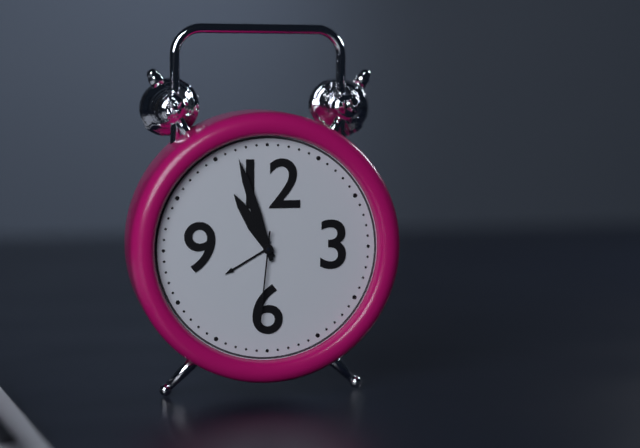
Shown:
10 h 57 min 31 s
